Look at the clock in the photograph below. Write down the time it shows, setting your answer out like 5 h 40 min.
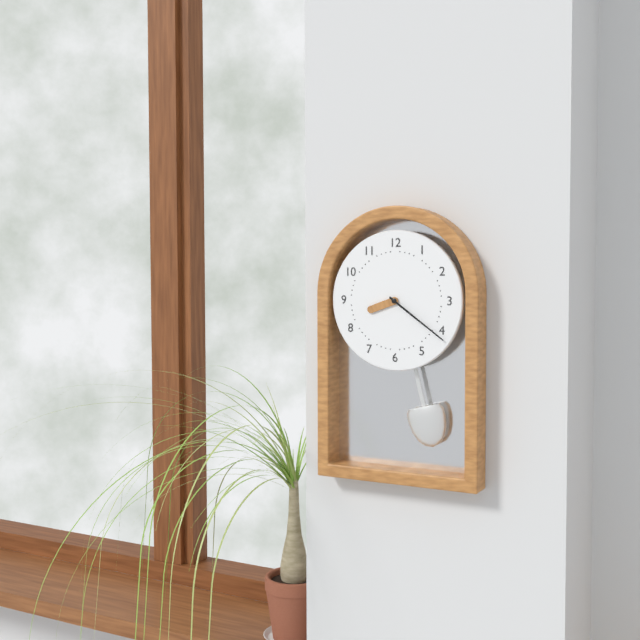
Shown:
8 h 21 min
